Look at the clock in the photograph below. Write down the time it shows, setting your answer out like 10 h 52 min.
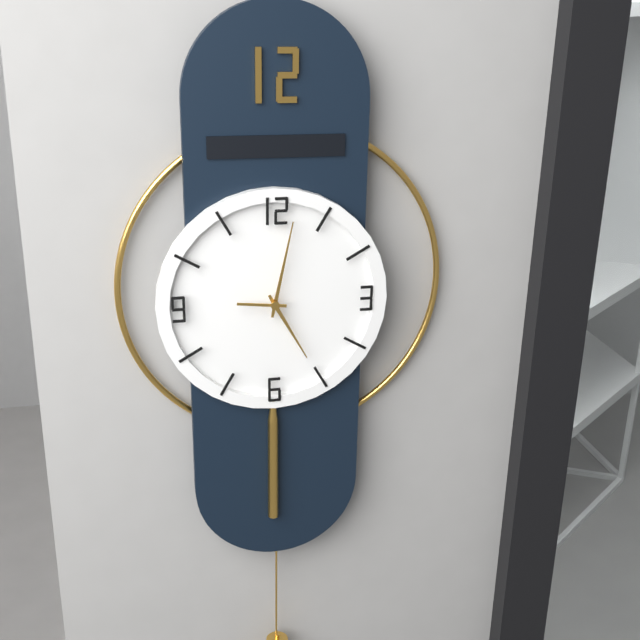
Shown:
5 h 02 min
